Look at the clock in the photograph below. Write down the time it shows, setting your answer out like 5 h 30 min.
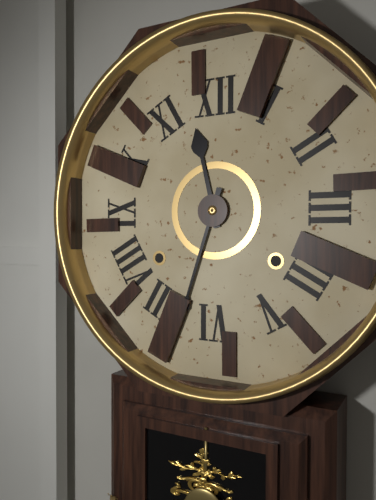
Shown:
11 h 33 min
